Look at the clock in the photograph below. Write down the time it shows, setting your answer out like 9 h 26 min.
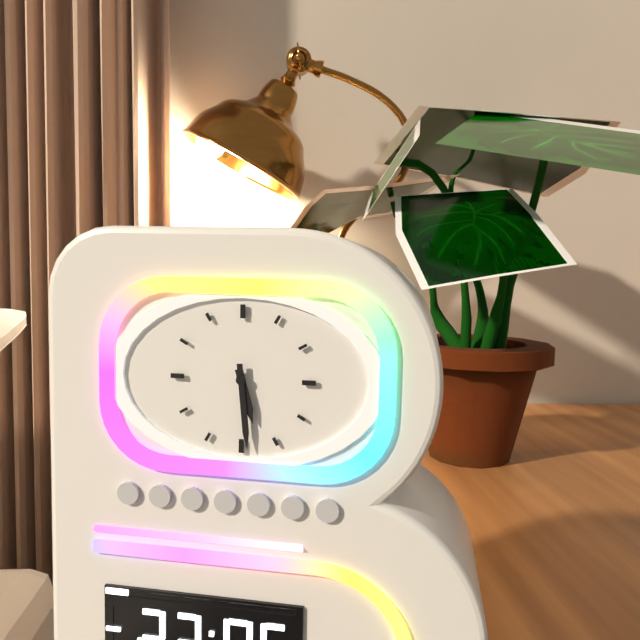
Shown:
5 h 29 min
